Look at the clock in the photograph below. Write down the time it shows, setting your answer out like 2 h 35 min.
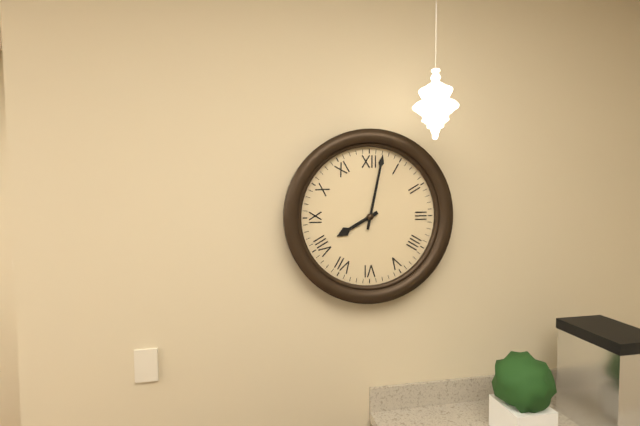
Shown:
8 h 02 min
